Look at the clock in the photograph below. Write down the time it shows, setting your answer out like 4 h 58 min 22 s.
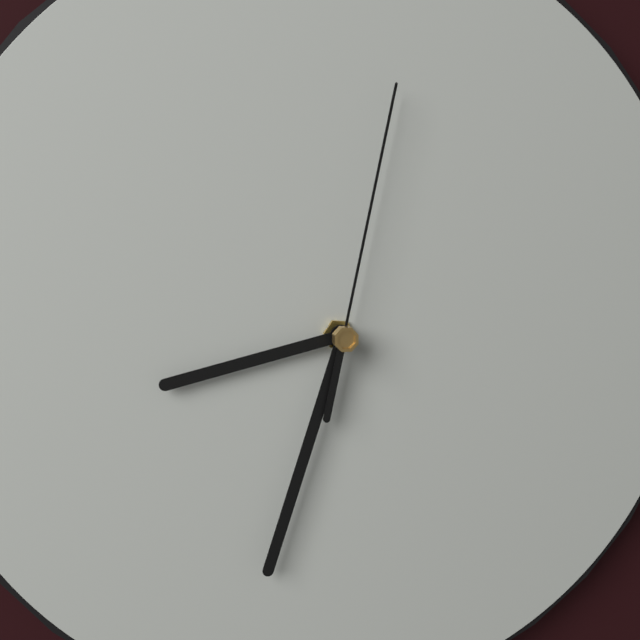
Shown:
8 h 33 min 02 s
